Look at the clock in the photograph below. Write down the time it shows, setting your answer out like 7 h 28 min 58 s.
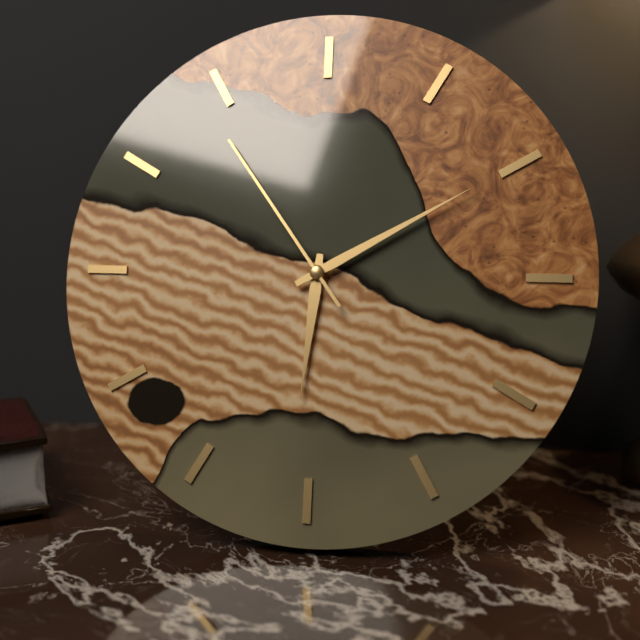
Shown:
6 h 10 min 54 s
